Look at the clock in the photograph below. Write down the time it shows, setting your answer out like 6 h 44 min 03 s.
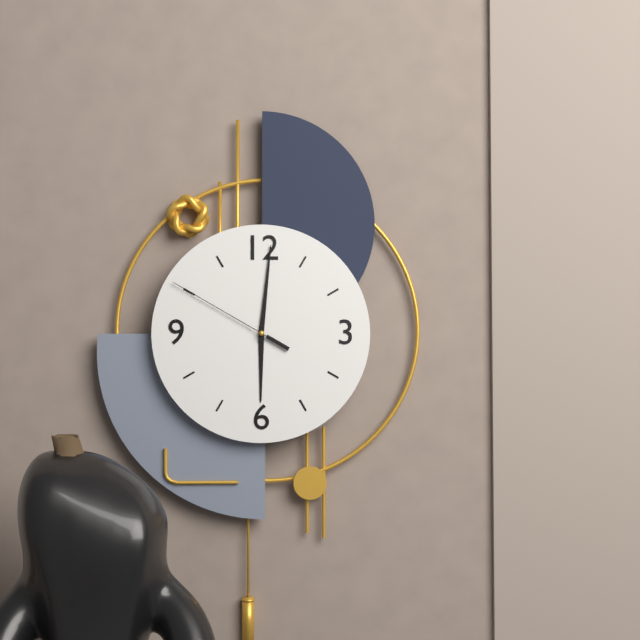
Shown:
6 h 01 min 50 s
